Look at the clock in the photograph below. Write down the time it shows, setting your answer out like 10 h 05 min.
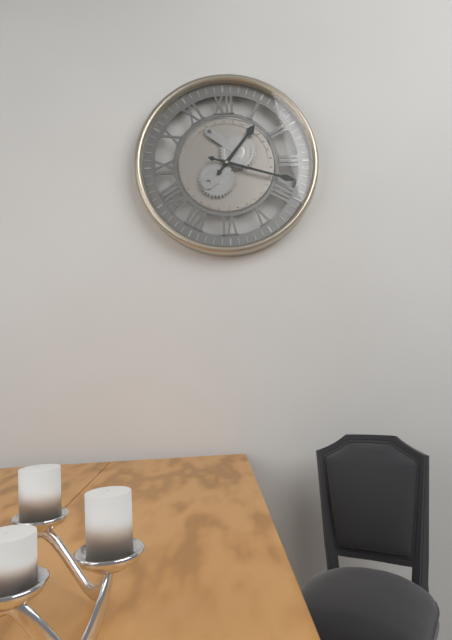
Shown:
1 h 18 min
